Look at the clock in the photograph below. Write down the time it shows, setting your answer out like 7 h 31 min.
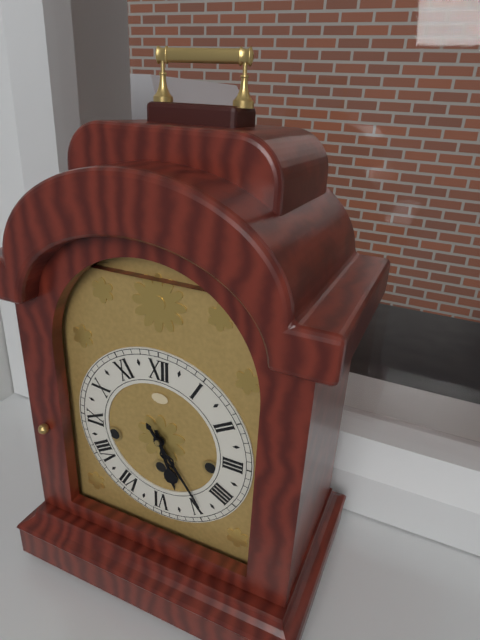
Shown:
5 h 24 min
